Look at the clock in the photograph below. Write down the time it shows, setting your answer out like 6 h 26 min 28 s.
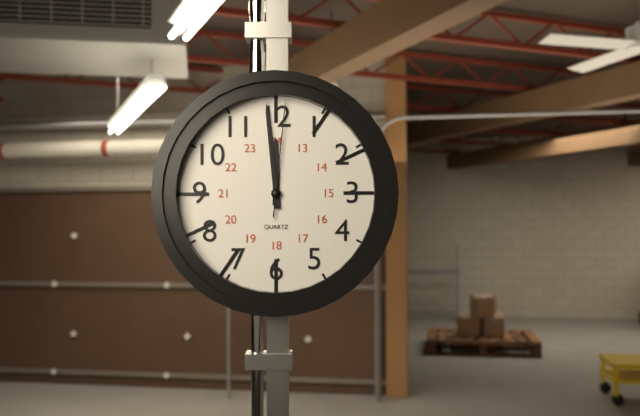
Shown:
11 h 59 min 01 s
